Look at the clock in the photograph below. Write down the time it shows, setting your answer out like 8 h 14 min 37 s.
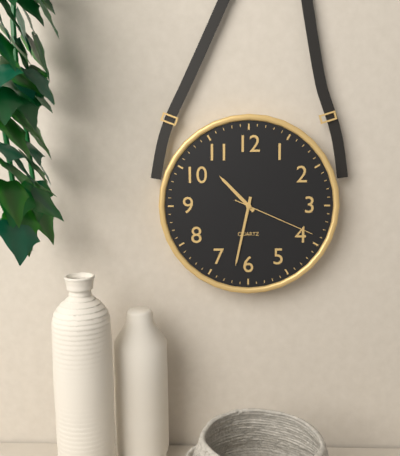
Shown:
10 h 32 min 19 s
